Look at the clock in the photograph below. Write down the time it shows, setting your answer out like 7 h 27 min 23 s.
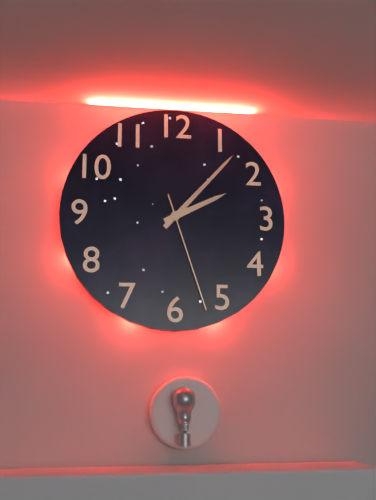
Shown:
2 h 07 min 27 s
